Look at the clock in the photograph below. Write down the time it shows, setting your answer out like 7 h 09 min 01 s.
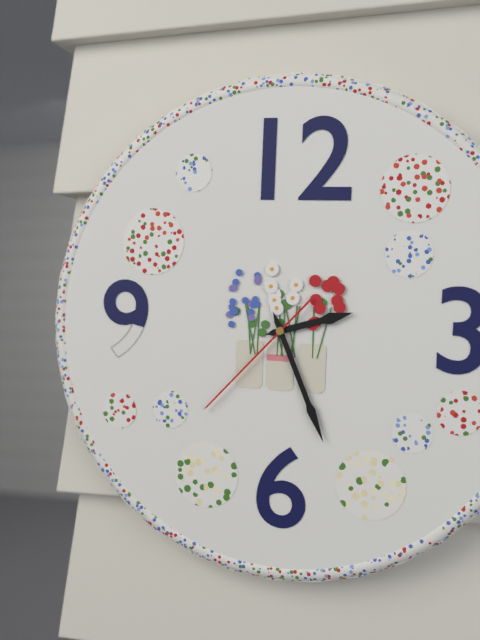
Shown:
2 h 26 min 37 s
